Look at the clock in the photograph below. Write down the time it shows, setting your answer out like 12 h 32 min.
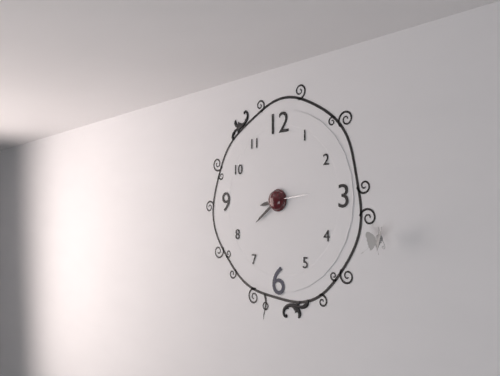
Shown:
8 h 39 min
